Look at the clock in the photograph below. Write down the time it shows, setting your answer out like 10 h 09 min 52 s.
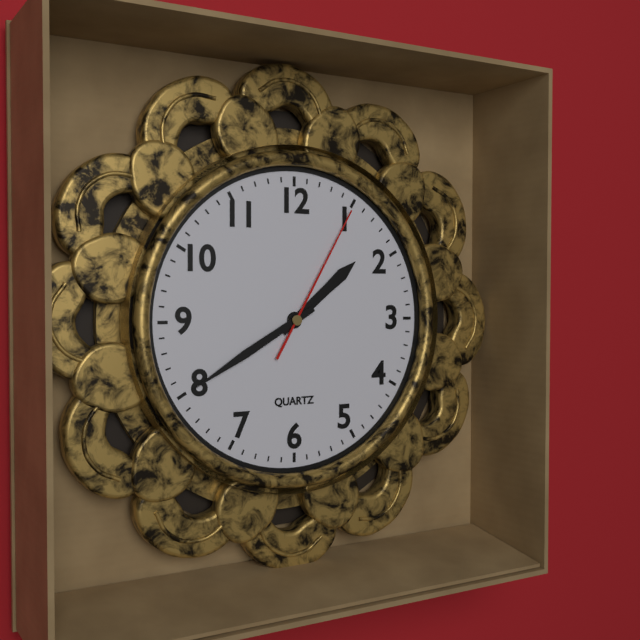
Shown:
1 h 40 min 05 s
